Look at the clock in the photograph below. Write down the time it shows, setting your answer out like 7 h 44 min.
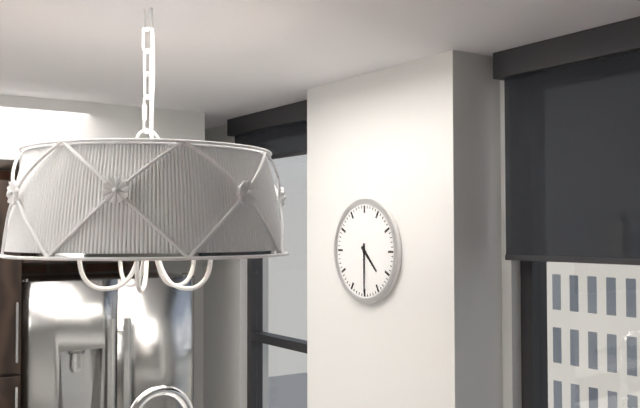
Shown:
4 h 30 min
